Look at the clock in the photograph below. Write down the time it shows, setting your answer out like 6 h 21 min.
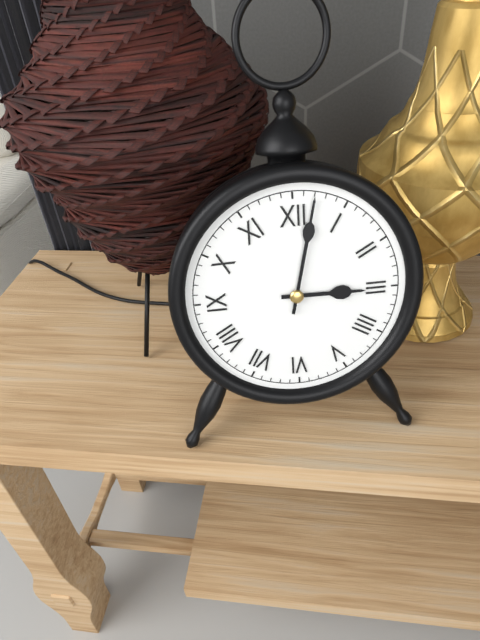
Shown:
3 h 02 min
